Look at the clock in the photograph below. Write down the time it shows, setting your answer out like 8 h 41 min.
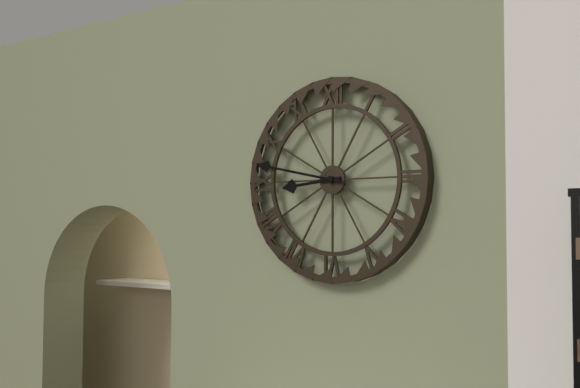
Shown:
8 h 47 min
